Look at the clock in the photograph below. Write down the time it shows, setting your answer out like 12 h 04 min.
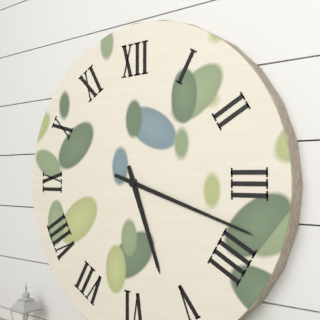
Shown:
5 h 18 min
